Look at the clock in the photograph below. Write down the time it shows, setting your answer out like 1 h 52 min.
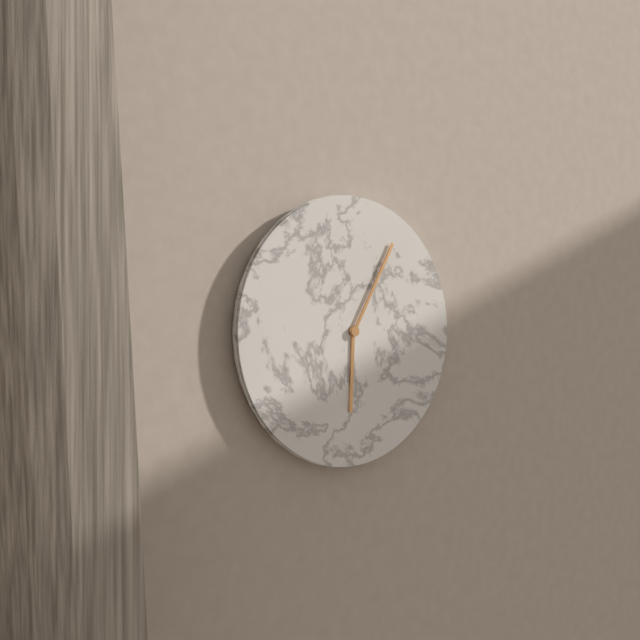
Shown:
6 h 05 min
